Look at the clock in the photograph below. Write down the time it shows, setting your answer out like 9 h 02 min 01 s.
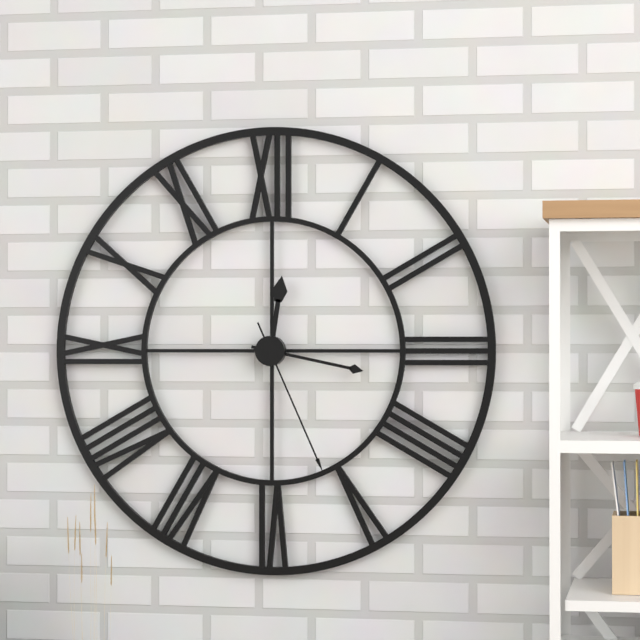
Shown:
12 h 17 min 26 s
